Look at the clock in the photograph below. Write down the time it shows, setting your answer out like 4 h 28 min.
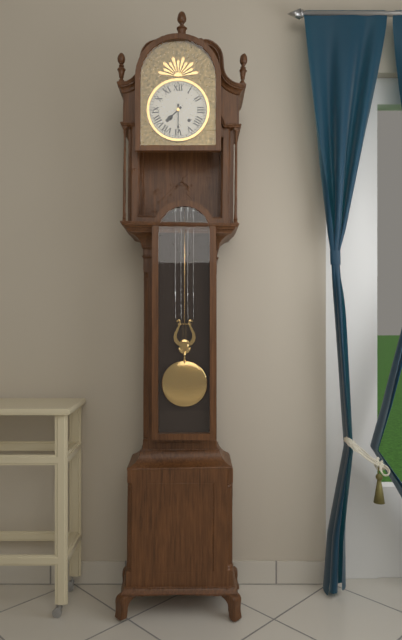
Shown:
7 h 30 min
